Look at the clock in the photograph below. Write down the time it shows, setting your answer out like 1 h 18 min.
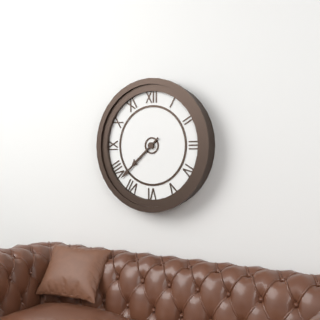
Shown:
7 h 38 min
